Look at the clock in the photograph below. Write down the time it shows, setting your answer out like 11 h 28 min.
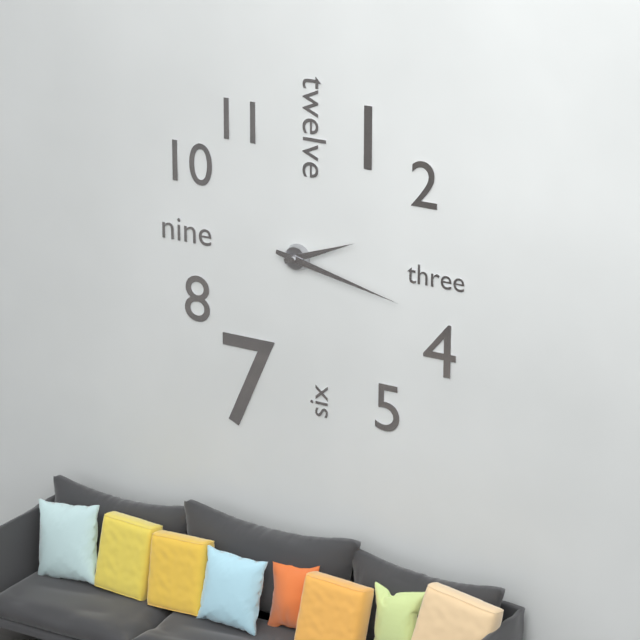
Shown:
2 h 17 min
